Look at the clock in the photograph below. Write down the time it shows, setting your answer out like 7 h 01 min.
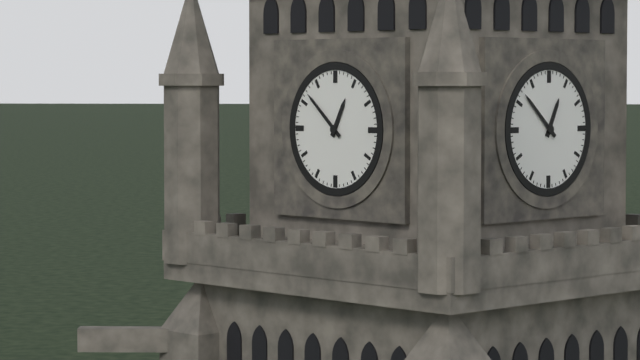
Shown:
12 h 52 min
